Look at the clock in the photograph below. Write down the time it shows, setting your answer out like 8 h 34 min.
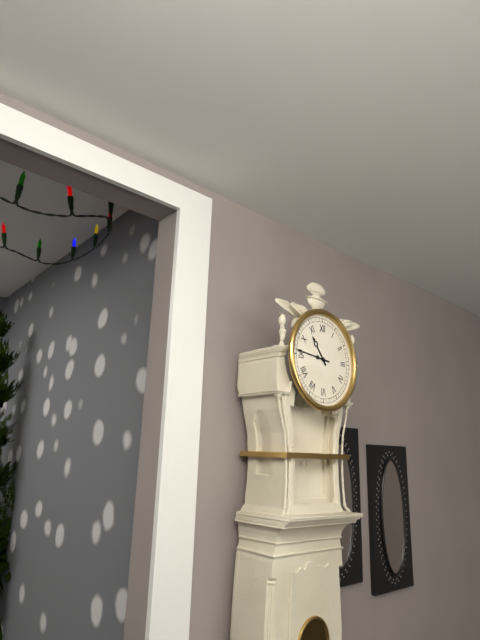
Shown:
10 h 46 min
